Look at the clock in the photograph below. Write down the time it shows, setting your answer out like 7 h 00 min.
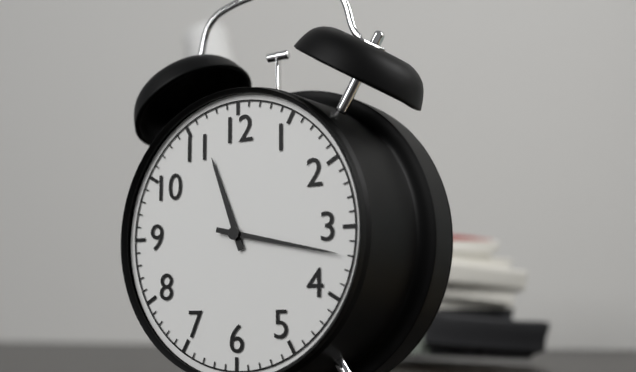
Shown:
11 h 17 min
